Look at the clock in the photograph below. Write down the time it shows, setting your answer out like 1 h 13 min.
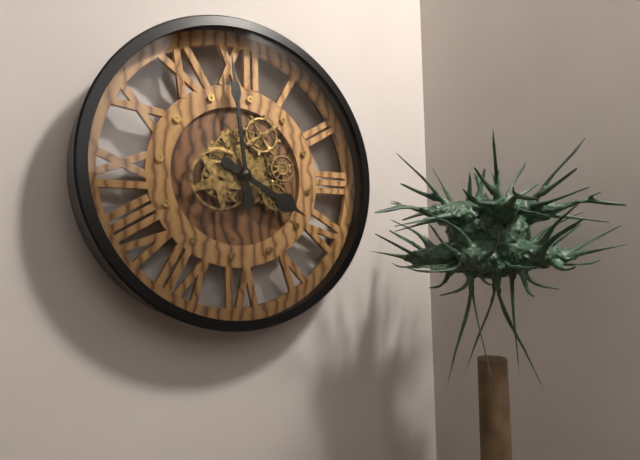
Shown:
3 h 59 min
